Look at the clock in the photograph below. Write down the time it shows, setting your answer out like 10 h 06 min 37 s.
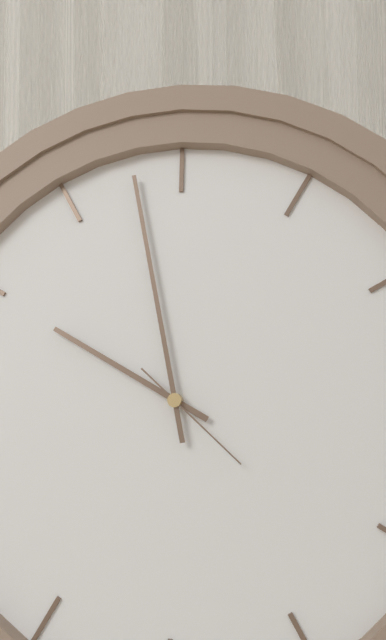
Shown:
9 h 58 min 22 s
